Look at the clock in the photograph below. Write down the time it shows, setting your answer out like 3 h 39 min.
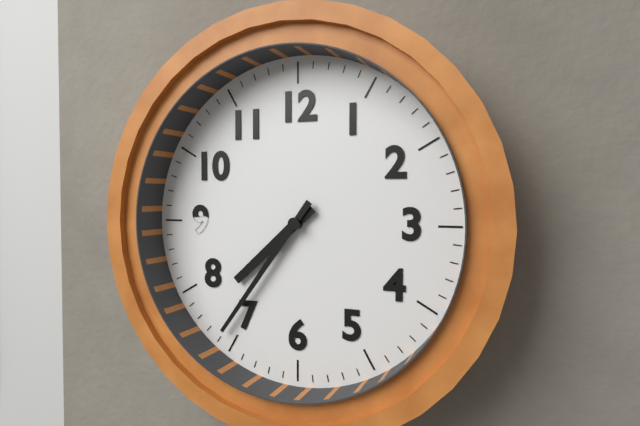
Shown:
7 h 36 min
